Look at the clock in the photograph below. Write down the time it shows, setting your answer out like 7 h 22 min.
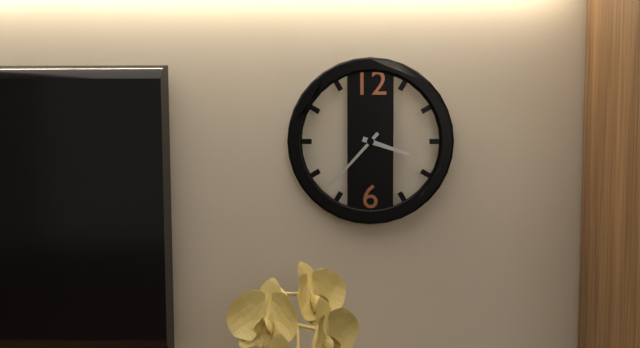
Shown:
3 h 37 min
